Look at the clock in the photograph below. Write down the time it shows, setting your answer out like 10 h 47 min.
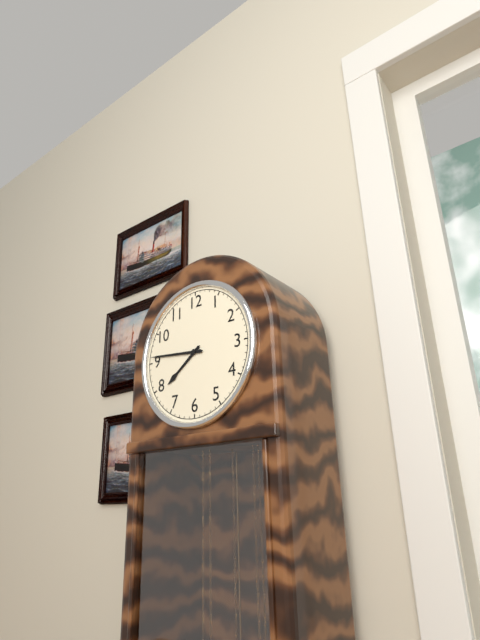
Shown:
7 h 46 min
